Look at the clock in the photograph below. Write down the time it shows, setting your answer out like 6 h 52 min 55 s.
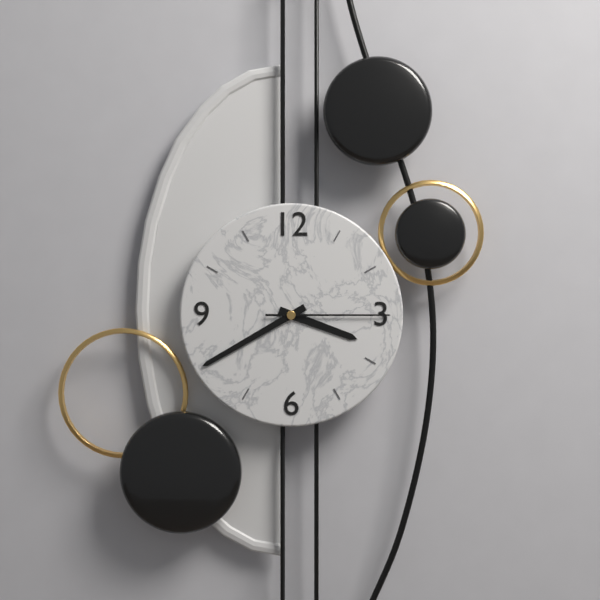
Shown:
3 h 40 min 15 s
